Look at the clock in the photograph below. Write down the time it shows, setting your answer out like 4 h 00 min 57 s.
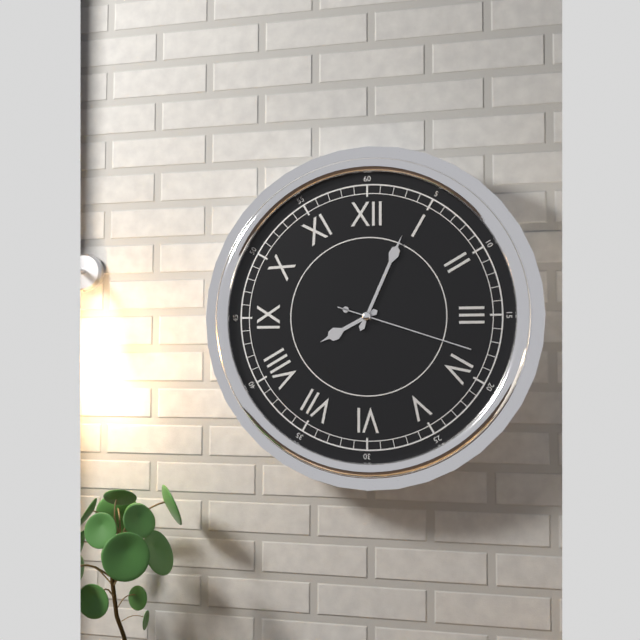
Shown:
8 h 04 min 18 s
